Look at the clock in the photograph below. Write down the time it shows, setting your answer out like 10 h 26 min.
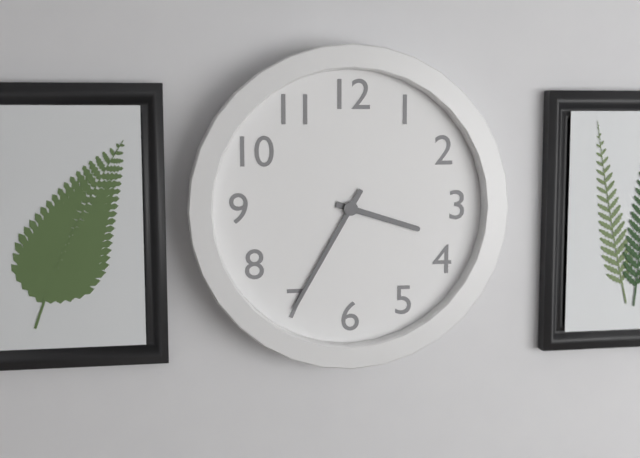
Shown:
3 h 35 min
